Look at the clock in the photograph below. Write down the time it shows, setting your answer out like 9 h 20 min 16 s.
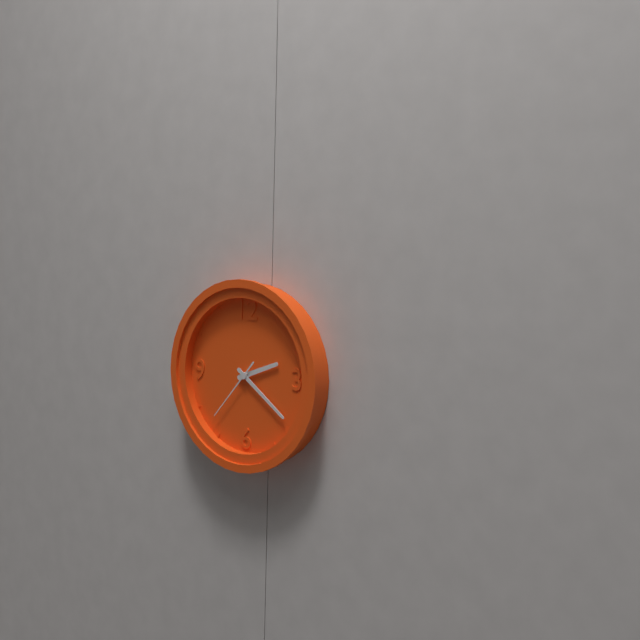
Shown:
2 h 21 min 37 s
